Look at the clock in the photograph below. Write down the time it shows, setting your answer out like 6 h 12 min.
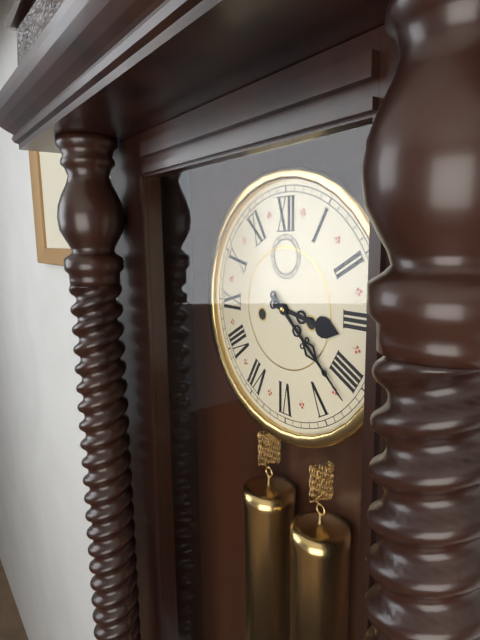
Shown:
3 h 22 min
